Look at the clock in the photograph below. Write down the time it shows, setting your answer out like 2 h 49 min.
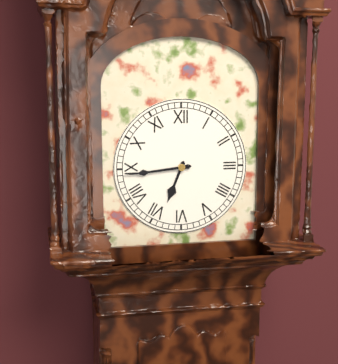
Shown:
6 h 44 min
